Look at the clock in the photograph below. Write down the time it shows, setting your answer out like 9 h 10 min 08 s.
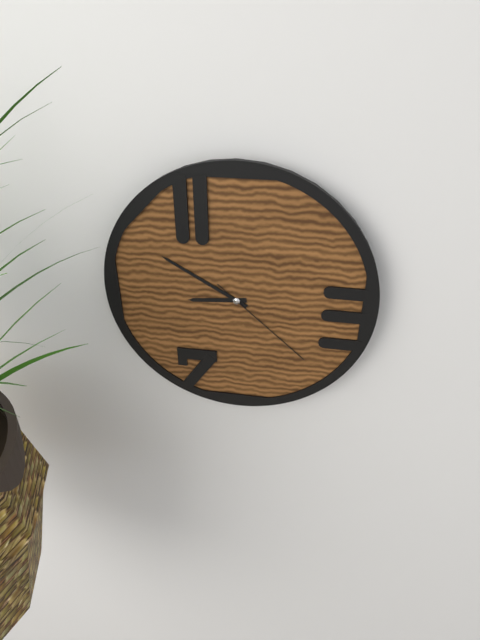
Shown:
8 h 50 min 22 s
